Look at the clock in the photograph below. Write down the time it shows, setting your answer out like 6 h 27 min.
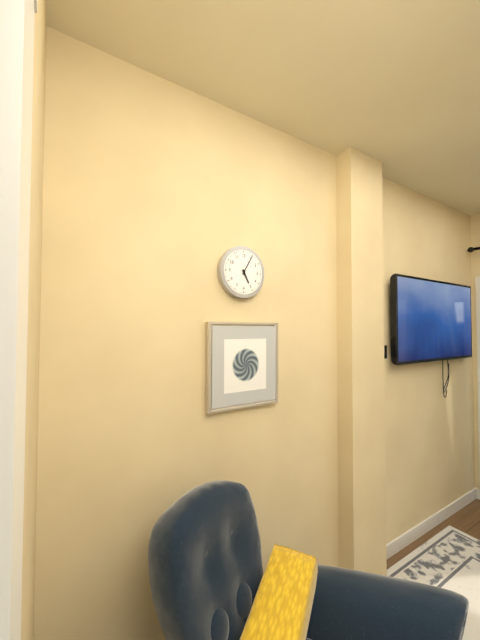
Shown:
5 h 05 min
